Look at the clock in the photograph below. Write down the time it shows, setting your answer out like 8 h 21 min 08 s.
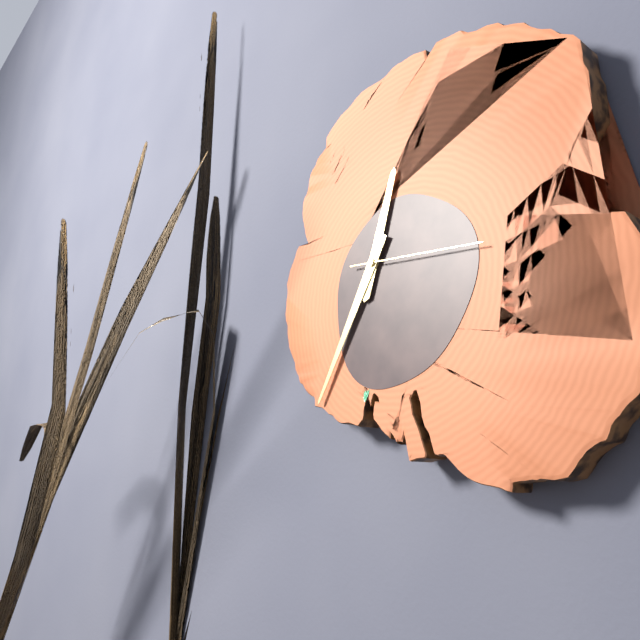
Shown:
12 h 35 min 16 s
